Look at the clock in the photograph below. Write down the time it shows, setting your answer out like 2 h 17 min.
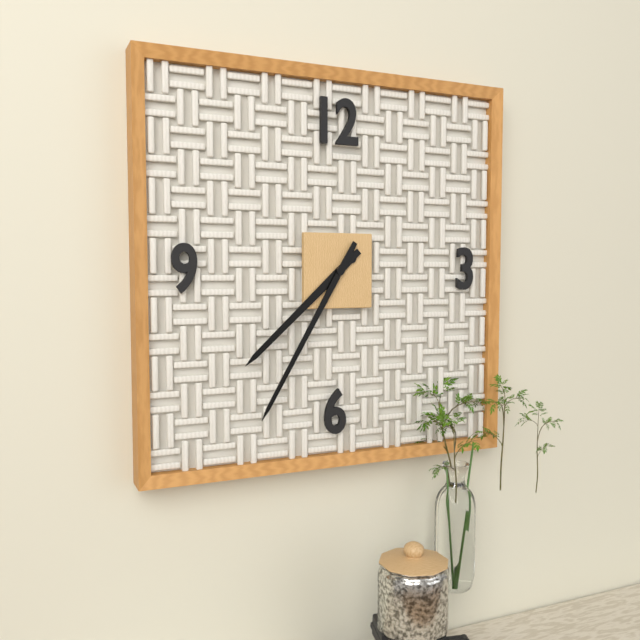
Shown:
7 h 35 min
